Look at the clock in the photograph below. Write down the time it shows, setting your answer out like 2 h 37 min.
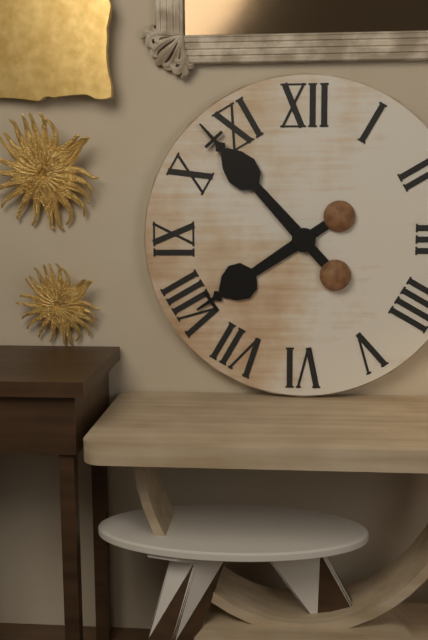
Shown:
7 h 53 min
